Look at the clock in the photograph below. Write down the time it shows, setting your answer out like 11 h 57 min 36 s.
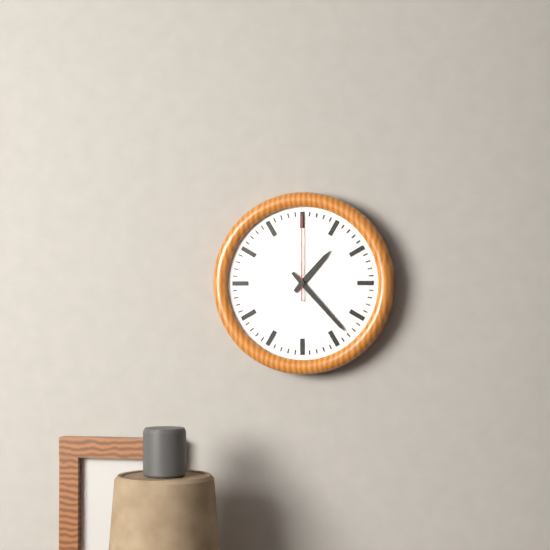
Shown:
1 h 23 min 00 s
